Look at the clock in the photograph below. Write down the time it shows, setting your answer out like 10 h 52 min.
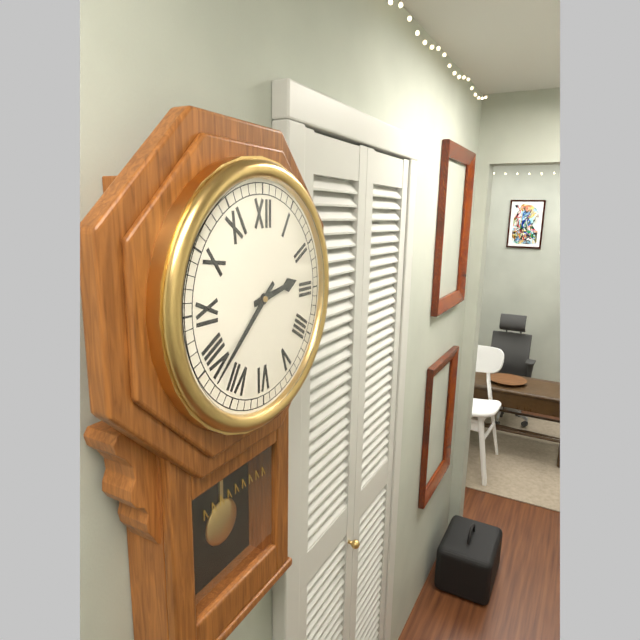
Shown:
2 h 38 min
